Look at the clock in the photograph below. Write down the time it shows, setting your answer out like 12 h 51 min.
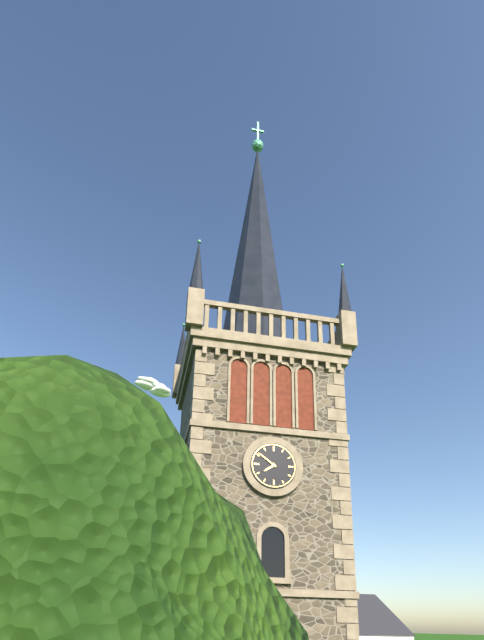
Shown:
7 h 51 min
